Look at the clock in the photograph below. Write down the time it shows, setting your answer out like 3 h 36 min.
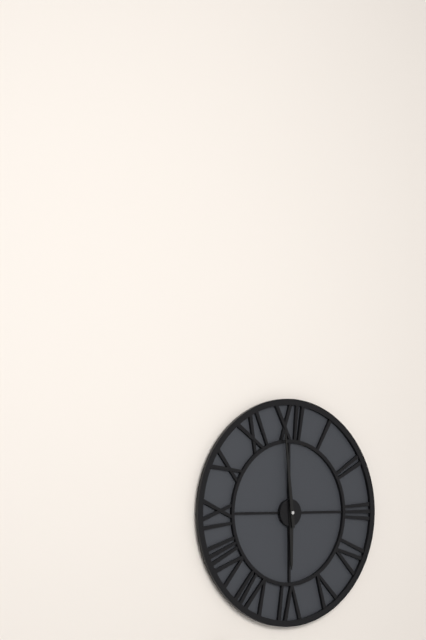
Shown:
5 h 59 min
